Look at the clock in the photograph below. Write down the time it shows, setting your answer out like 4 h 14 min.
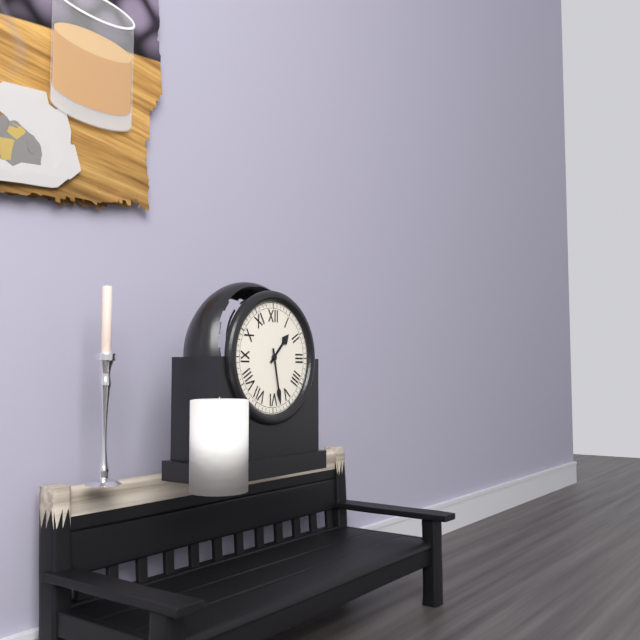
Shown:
1 h 28 min
